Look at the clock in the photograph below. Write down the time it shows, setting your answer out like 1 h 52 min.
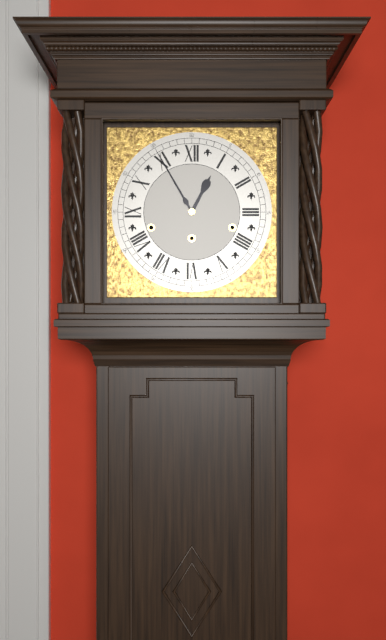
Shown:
12 h 55 min
